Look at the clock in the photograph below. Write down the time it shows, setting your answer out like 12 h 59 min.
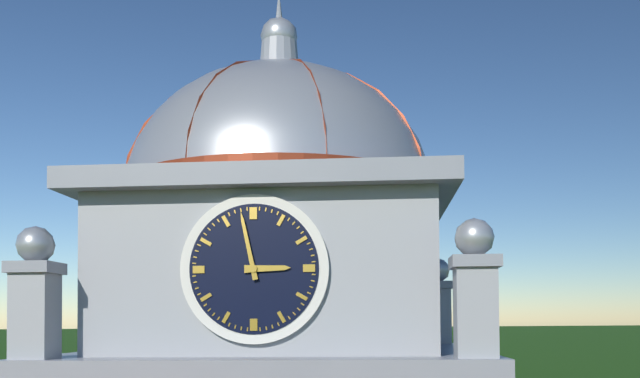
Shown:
2 h 58 min
